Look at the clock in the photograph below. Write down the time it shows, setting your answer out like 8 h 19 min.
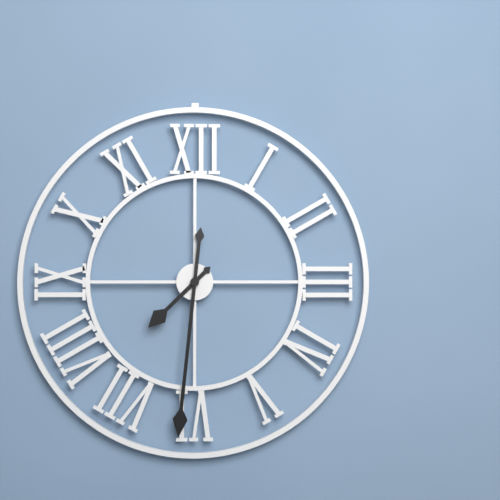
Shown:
7 h 31 min
